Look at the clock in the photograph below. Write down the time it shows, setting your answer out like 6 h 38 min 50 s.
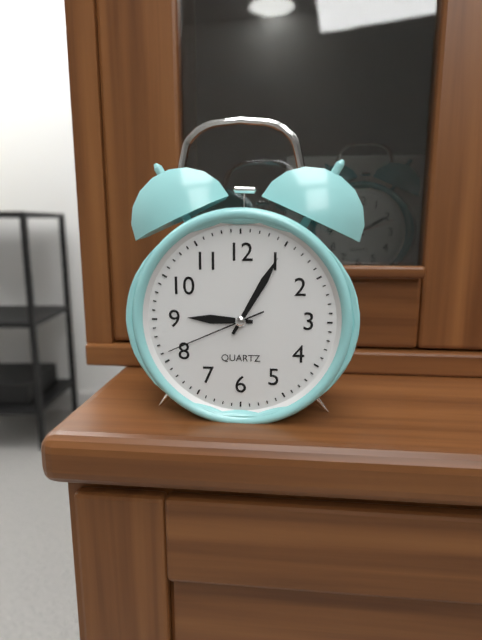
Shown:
9 h 05 min 41 s
